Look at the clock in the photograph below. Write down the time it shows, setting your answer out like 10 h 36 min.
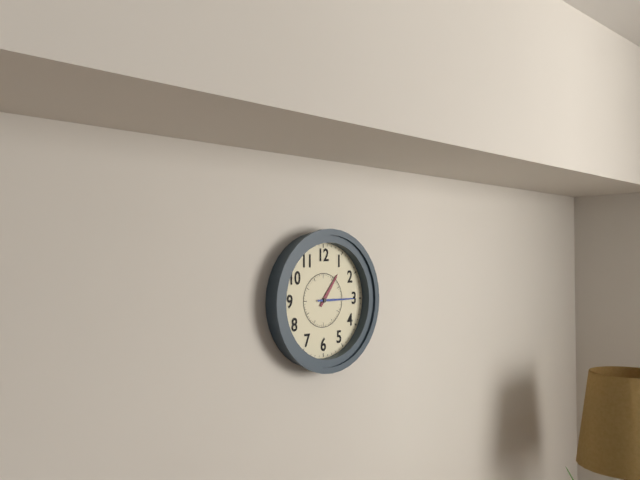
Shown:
1 h 15 min
